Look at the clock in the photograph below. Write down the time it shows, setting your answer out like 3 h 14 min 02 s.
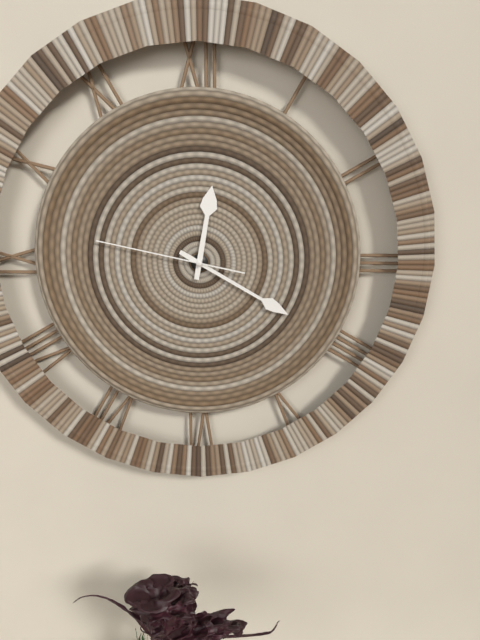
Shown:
12 h 20 min 47 s
